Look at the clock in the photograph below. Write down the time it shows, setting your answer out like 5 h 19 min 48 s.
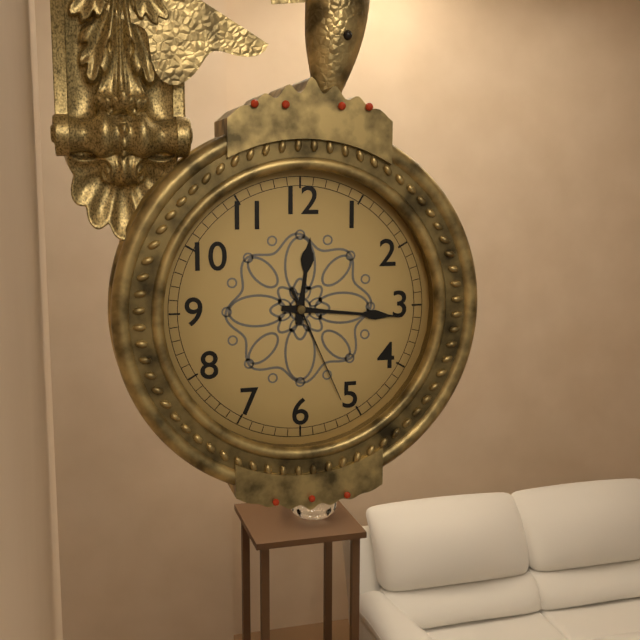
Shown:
12 h 16 min 26 s
